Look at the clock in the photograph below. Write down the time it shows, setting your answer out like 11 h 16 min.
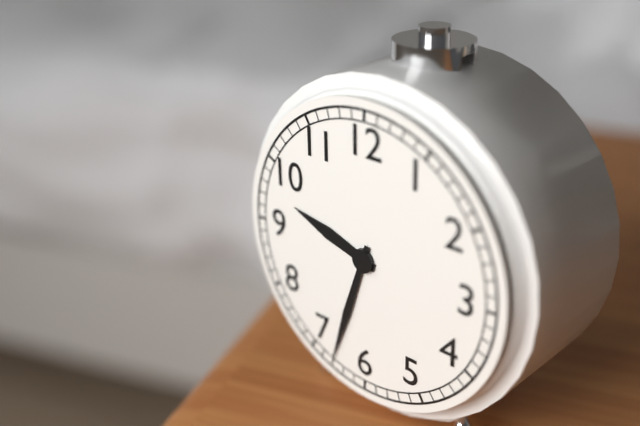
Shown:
9 h 33 min
